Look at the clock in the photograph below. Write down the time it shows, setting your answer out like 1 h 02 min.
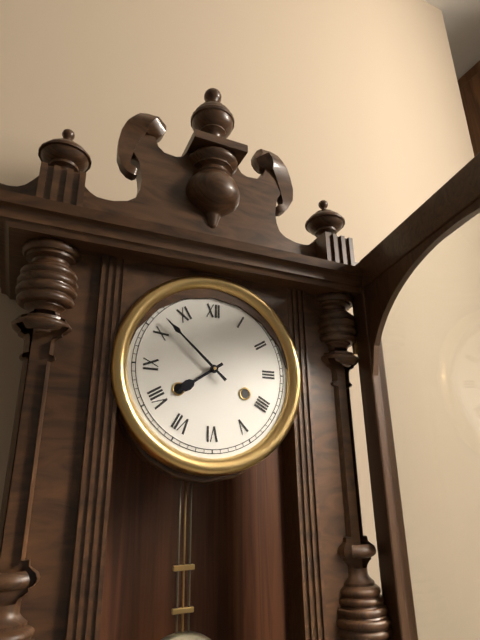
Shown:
7 h 52 min
